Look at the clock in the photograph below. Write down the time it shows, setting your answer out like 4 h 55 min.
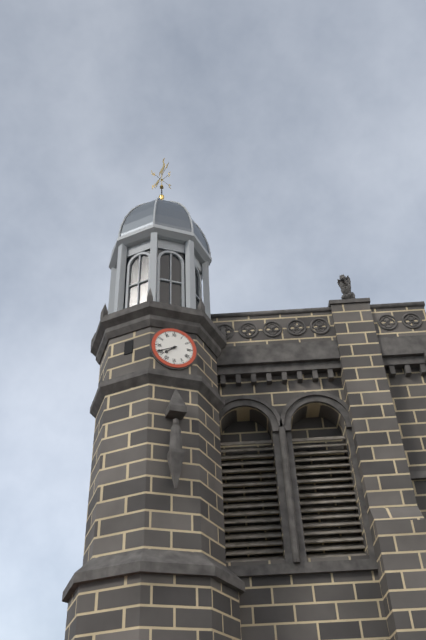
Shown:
7 h 41 min
